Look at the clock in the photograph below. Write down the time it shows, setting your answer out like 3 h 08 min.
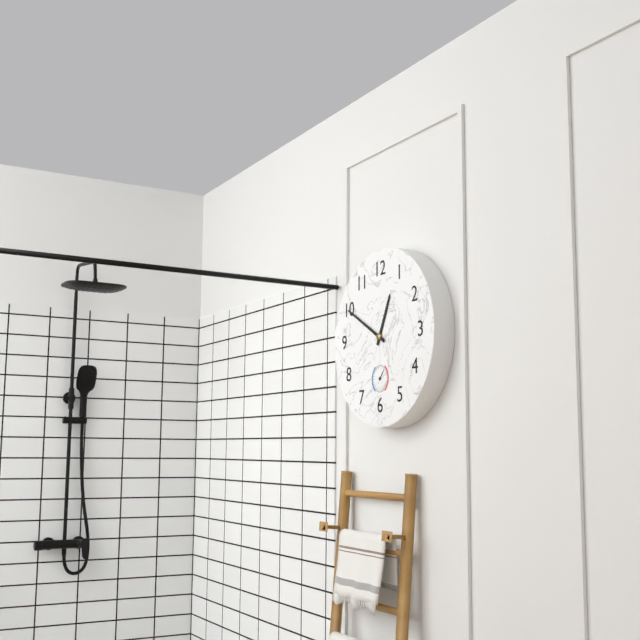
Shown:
12 h 50 min
